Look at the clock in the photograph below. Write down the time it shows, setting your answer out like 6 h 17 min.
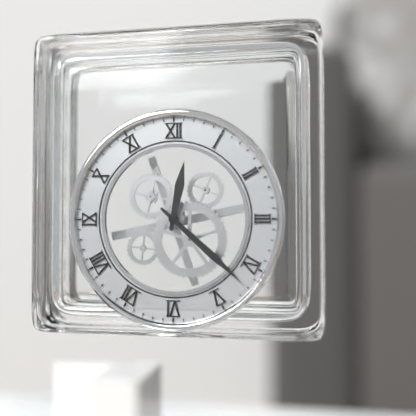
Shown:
12 h 22 min
